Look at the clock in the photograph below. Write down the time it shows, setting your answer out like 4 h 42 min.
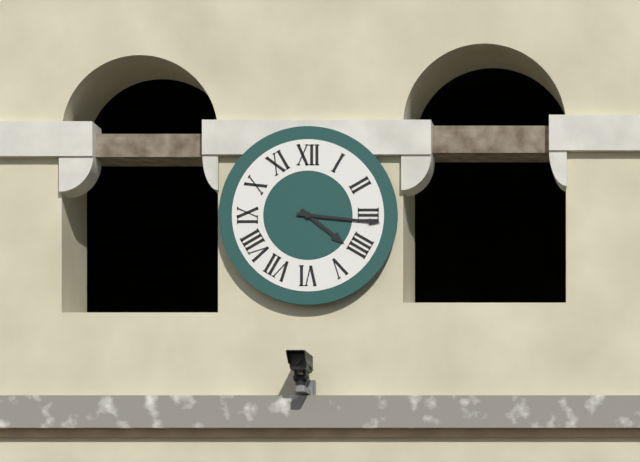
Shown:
4 h 16 min
